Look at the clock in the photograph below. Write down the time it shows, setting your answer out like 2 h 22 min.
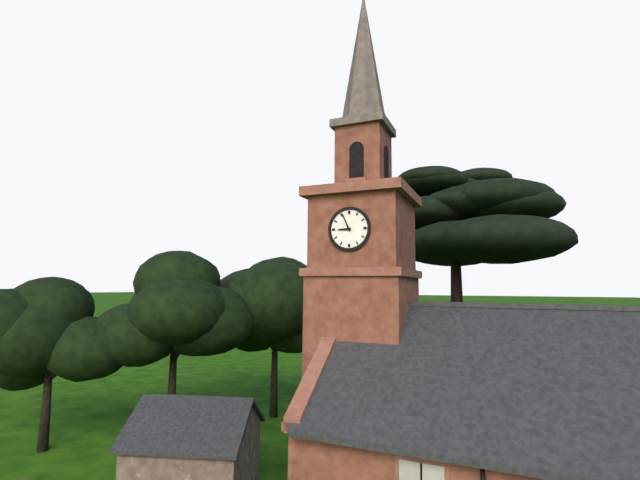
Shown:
8 h 56 min
